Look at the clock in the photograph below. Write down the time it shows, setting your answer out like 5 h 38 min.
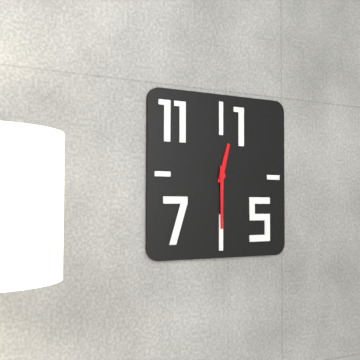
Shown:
12 h 30 min
